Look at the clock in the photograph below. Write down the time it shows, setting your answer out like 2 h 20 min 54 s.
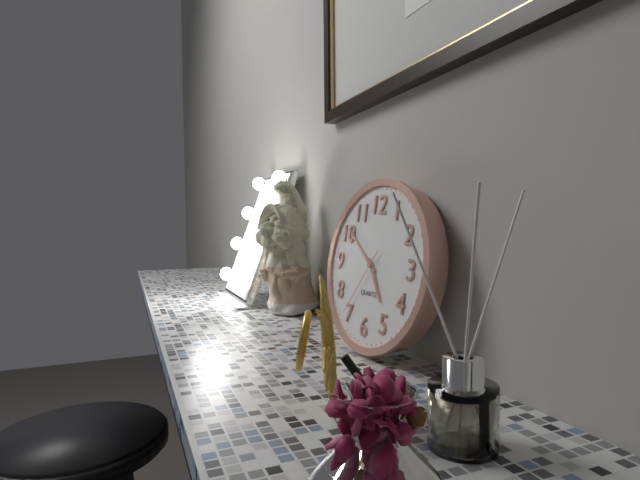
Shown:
4 h 51 min 36 s
